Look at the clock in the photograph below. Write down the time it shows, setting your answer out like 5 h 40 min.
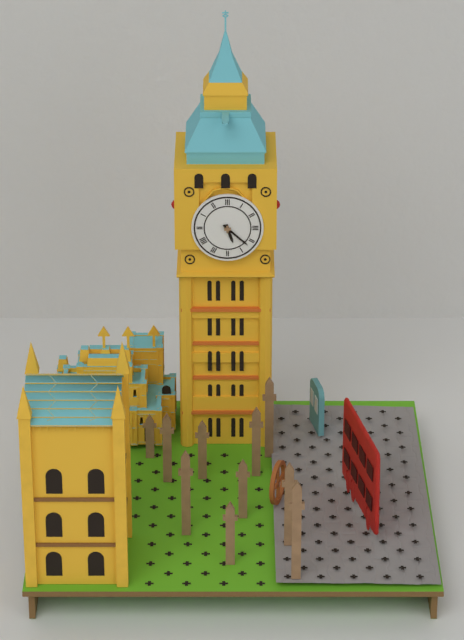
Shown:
5 h 22 min
